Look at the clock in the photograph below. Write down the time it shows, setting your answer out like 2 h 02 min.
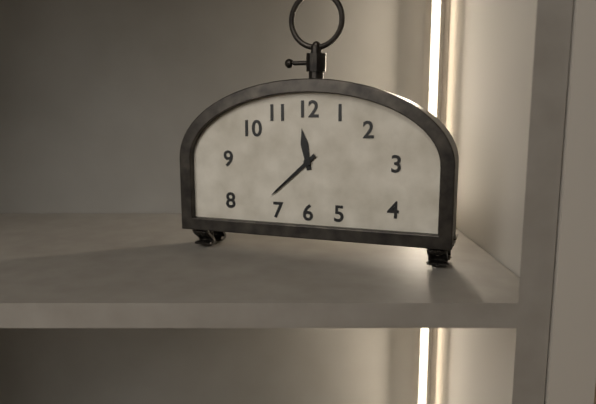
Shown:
11 h 38 min
